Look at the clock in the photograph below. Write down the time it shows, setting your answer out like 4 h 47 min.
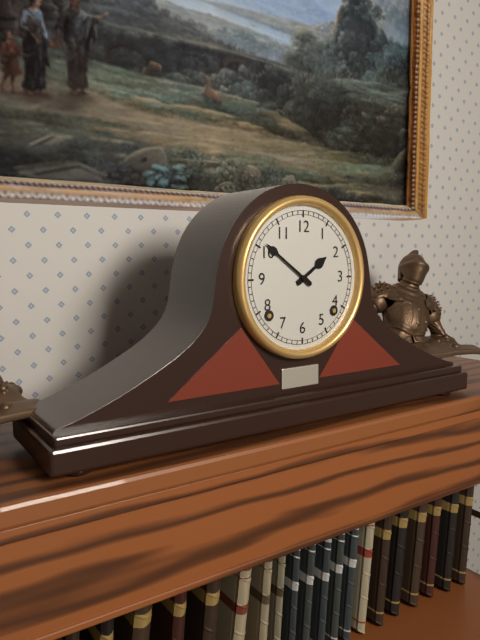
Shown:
1 h 51 min
